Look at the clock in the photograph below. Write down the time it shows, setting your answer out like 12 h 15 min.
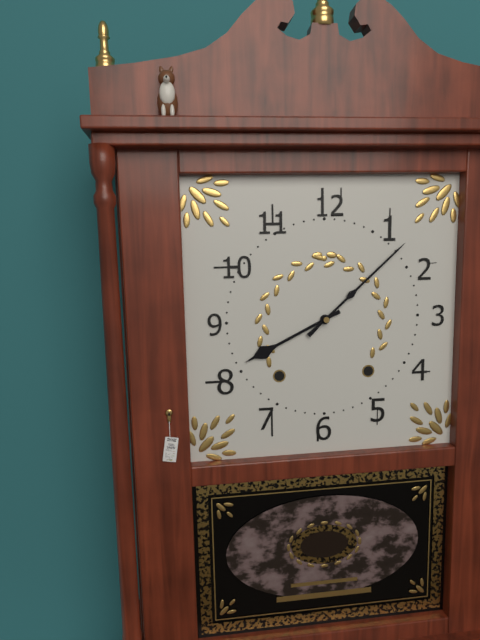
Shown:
8 h 08 min
